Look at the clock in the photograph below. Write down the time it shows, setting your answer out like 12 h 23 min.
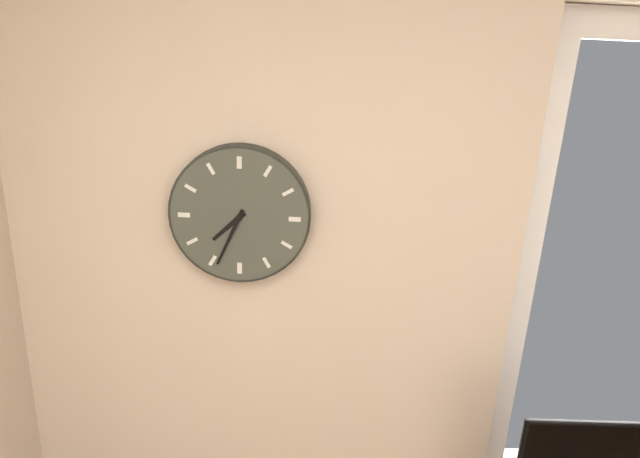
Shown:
7 h 34 min
